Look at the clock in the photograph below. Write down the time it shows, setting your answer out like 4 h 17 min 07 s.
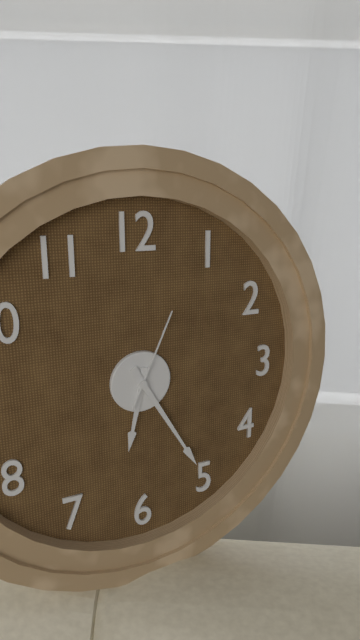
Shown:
6 h 25 min 04 s
